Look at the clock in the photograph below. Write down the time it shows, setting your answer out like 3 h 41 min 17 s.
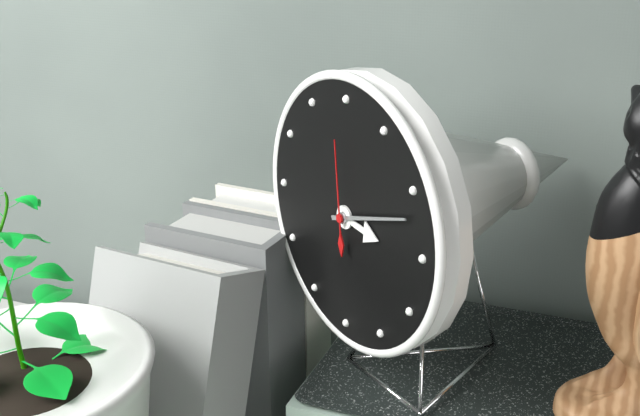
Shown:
3 h 12 min 59 s
